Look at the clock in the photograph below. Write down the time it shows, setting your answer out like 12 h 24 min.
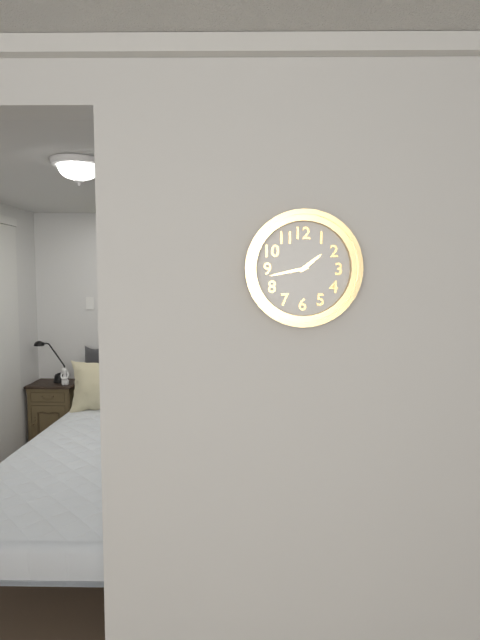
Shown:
1 h 43 min
